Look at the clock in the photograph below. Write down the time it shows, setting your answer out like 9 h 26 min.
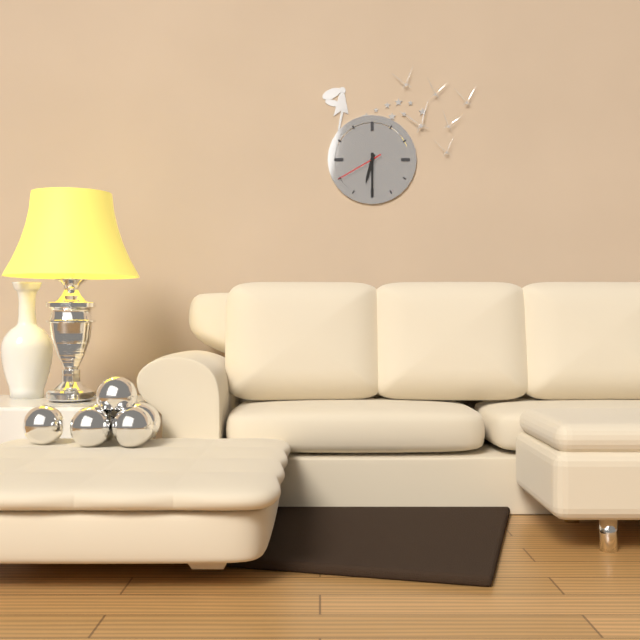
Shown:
6 h 30 min
